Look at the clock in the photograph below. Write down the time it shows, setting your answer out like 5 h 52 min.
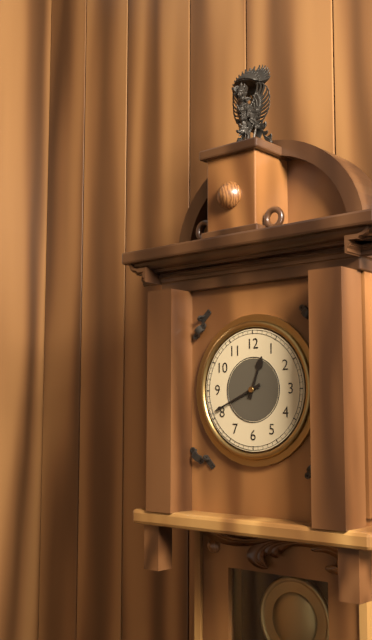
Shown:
12 h 41 min
